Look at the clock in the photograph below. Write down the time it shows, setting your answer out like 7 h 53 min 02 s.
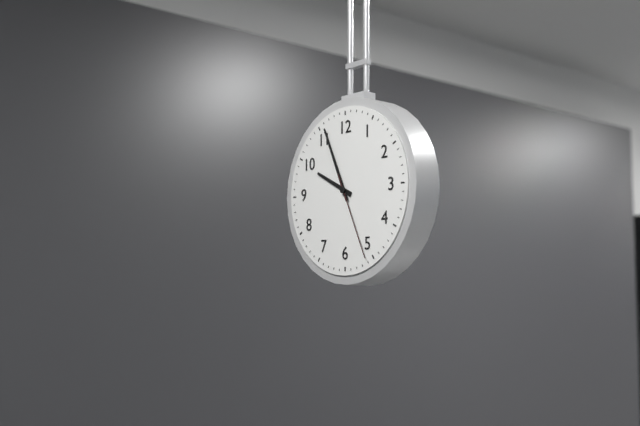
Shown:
9 h 56 min 26 s
